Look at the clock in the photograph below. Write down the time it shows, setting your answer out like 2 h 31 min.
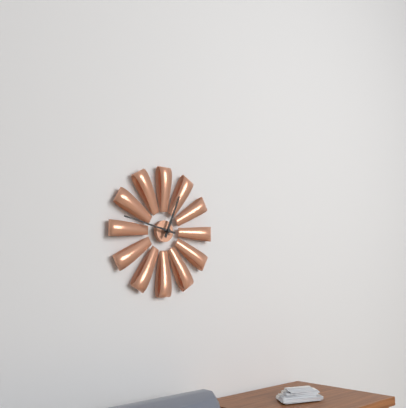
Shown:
12 h 47 min
